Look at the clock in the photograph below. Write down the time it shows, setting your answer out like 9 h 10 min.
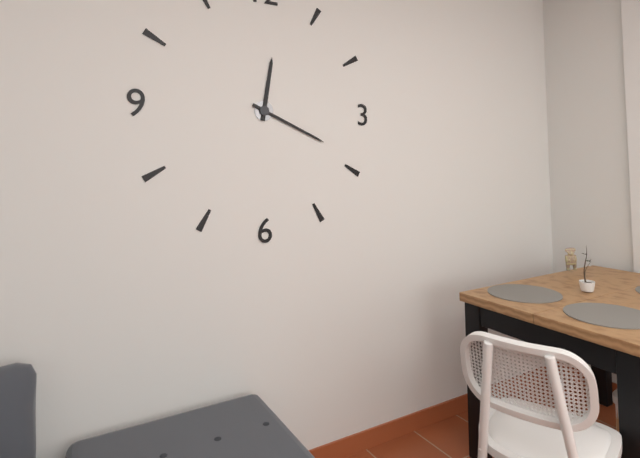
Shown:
12 h 19 min
